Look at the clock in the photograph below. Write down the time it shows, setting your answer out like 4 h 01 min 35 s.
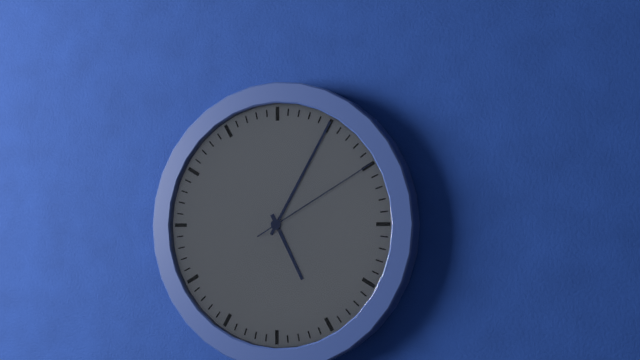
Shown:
5 h 05 min 10 s
